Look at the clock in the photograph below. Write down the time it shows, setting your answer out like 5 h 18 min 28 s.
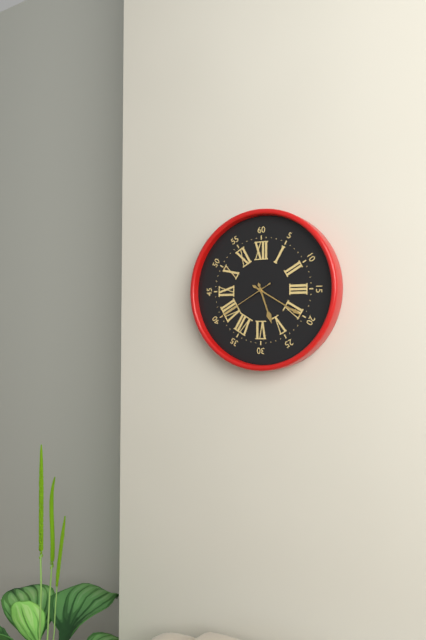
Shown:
5 h 20 min 40 s
